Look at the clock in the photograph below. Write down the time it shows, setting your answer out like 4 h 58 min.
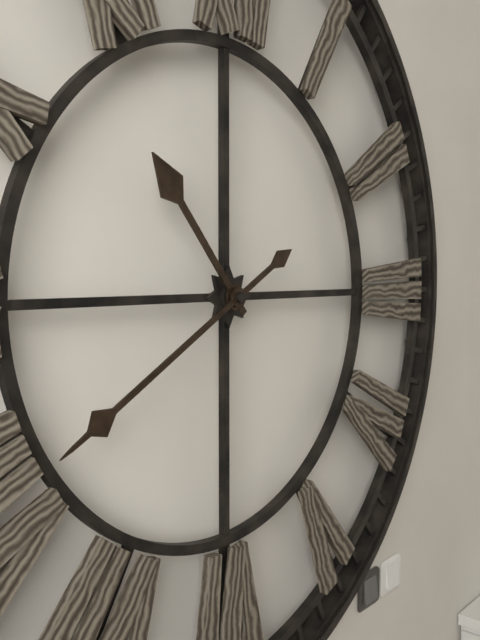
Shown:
10 h 40 min
